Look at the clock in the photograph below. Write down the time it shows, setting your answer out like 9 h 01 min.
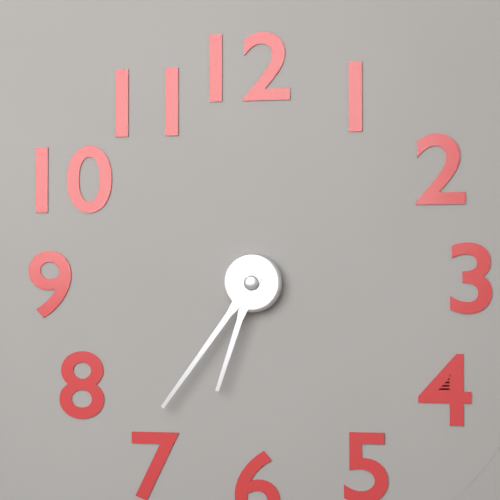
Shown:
6 h 36 min
